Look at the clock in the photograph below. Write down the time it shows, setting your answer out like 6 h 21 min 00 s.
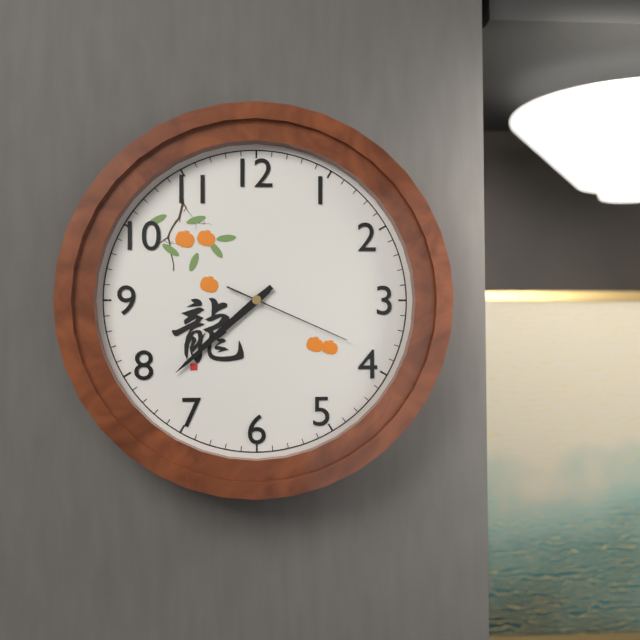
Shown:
7 h 38 min 19 s
